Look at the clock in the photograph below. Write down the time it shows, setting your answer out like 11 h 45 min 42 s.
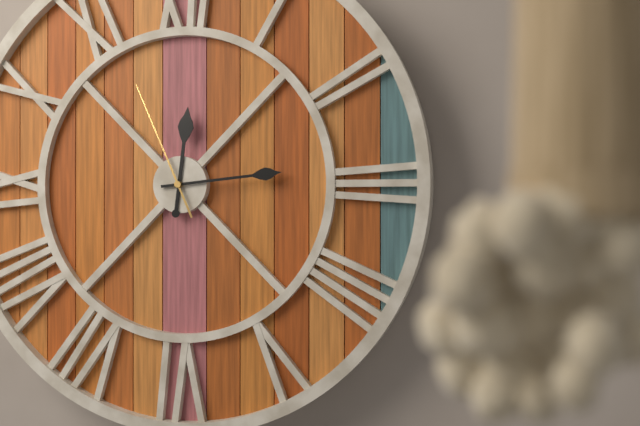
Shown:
12 h 14 min 56 s
